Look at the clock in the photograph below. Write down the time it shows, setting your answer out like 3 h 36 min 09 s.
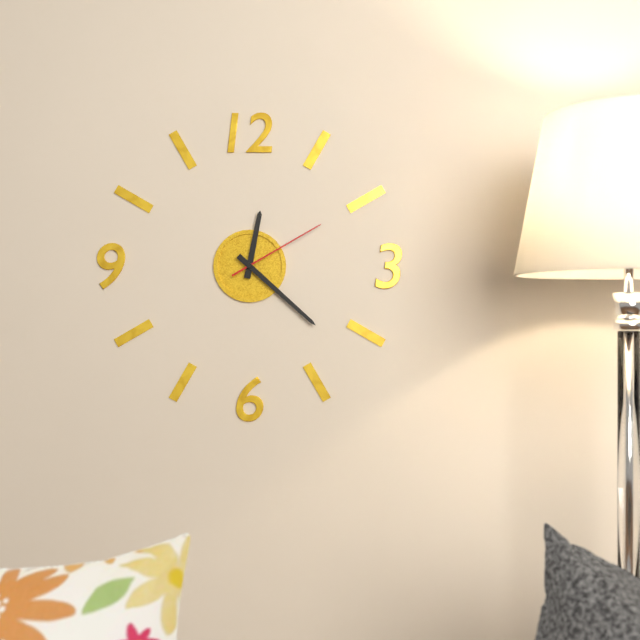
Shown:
12 h 22 min 10 s
